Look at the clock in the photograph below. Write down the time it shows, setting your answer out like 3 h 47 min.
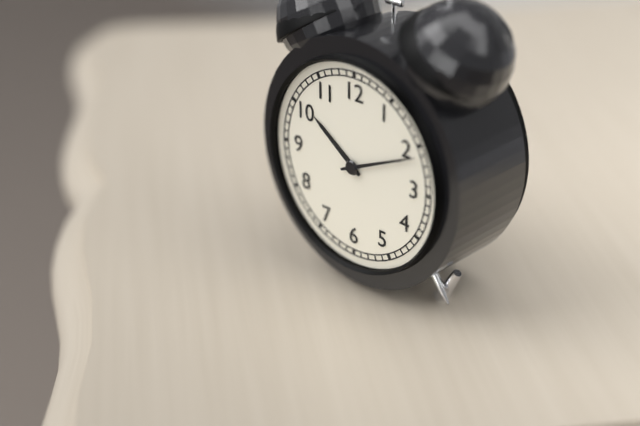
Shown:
10 h 11 min
